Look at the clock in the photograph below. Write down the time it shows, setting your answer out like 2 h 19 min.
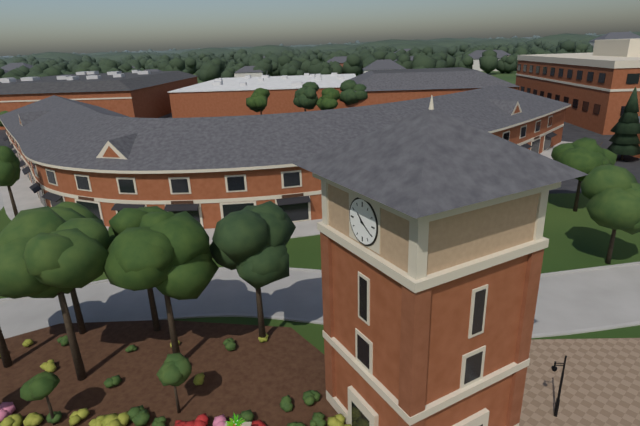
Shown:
10 h 20 min
